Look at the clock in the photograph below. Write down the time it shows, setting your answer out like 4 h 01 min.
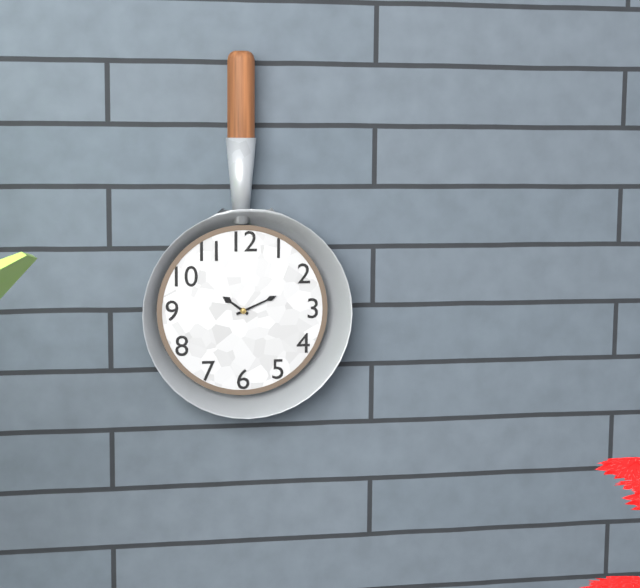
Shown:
10 h 11 min
